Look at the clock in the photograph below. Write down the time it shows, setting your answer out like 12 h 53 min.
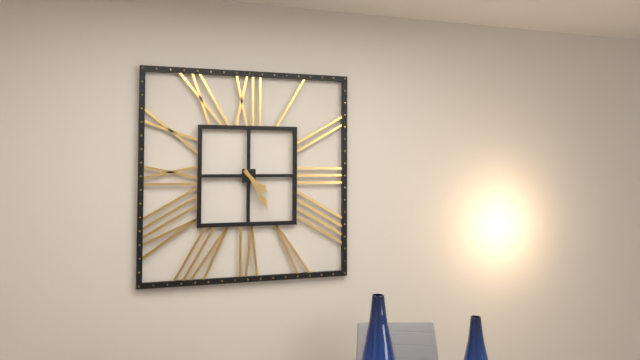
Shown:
4 h 25 min
